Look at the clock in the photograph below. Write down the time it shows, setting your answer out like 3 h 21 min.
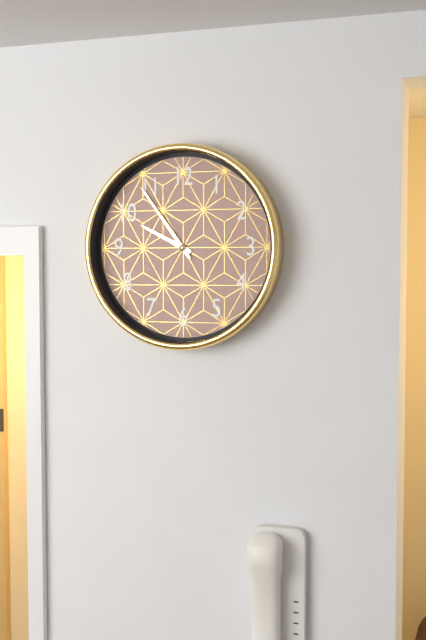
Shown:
9 h 54 min
